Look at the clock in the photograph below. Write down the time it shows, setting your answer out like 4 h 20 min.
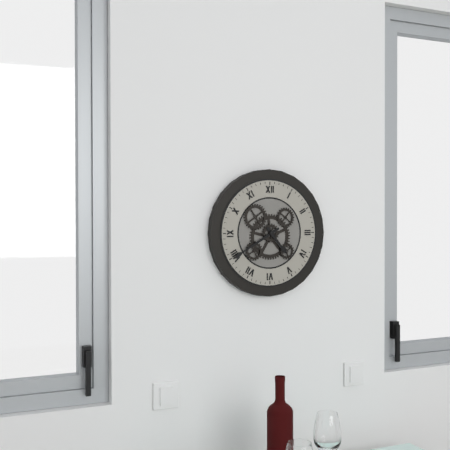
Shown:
4 h 40 min
